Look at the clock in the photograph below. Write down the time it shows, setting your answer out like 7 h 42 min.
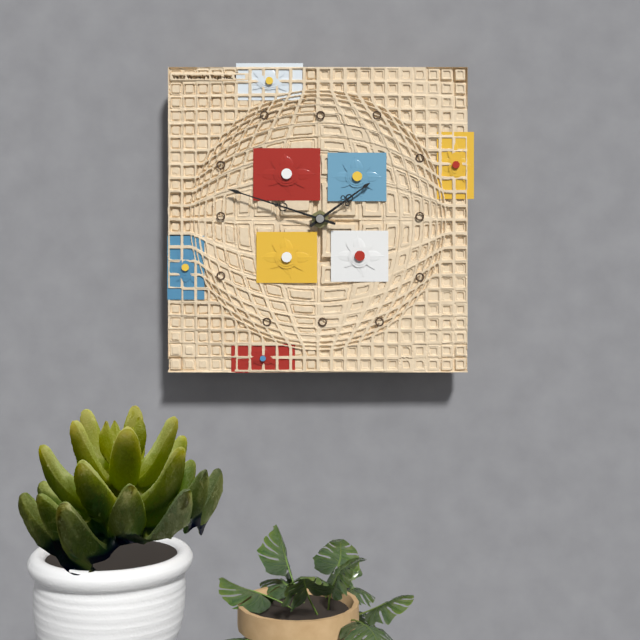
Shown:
1 h 48 min
